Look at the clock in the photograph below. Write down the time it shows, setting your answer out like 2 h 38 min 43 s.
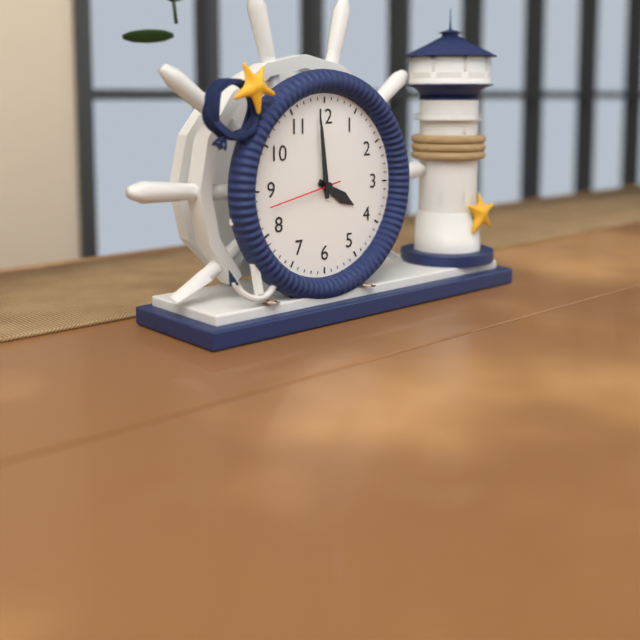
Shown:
3 h 59 min 43 s
